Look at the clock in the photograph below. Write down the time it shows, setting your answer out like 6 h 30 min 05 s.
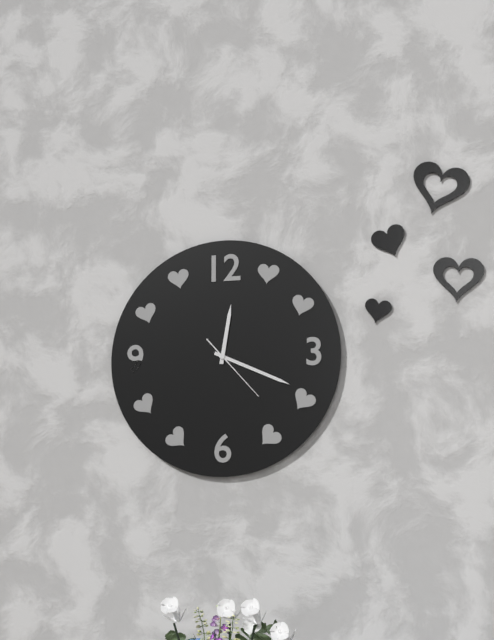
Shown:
12 h 19 min 23 s
